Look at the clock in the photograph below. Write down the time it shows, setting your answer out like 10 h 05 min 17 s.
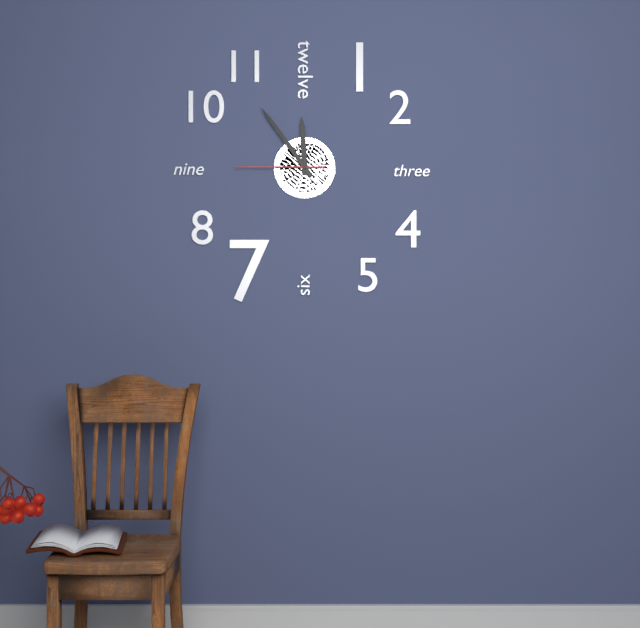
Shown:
11 h 54 min 45 s
